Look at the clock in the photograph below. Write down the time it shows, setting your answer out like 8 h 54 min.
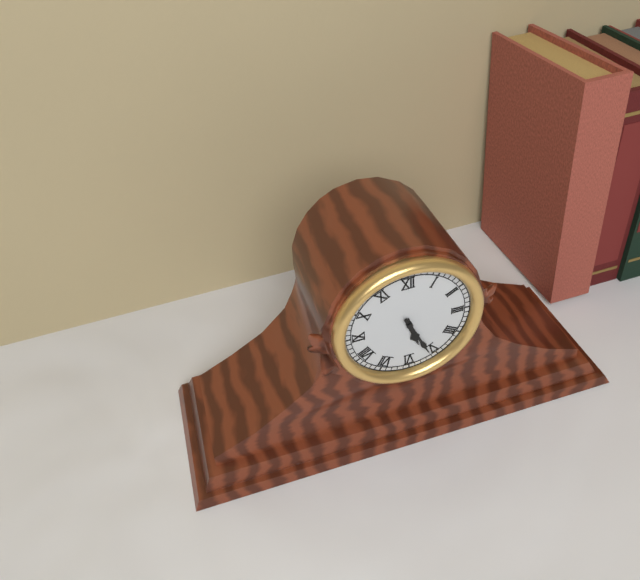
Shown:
5 h 26 min
